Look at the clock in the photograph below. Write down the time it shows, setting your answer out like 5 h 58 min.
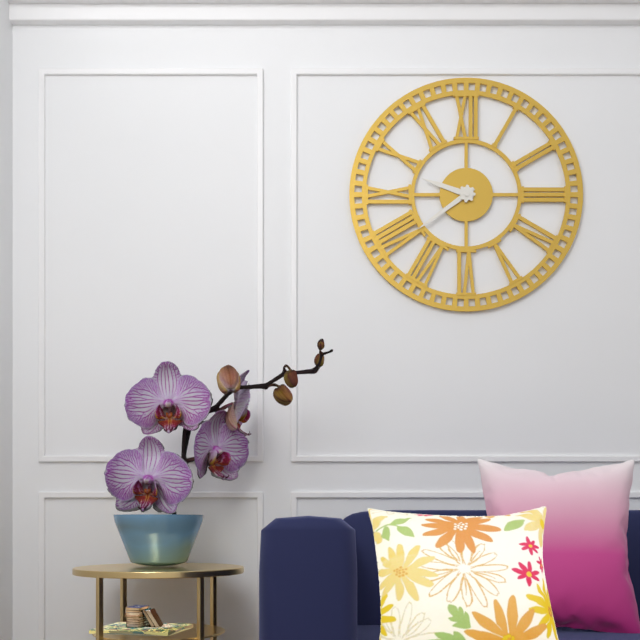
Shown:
9 h 39 min
